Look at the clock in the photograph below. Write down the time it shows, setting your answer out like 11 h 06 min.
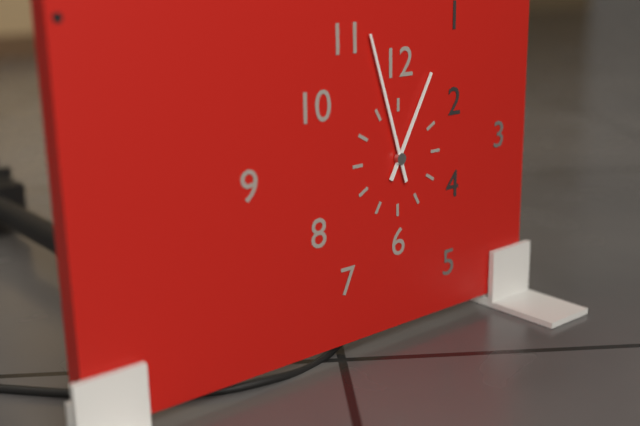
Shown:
12 h 57 min
